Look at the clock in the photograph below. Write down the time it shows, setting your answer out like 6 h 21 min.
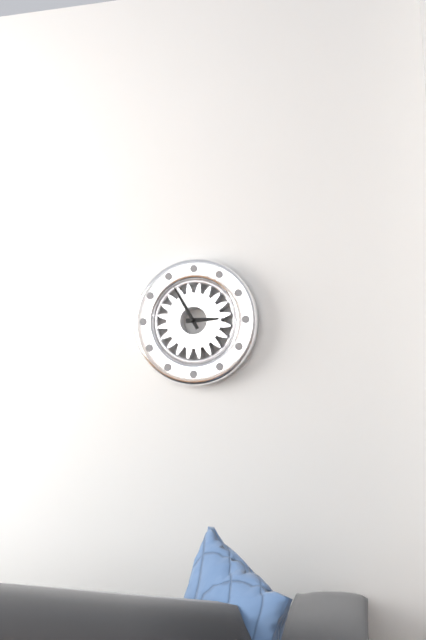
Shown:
2 h 55 min
